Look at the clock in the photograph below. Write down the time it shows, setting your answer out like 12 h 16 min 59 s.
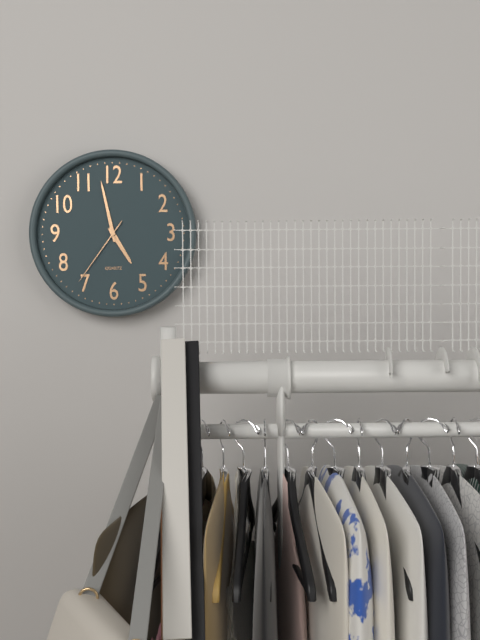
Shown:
4 h 58 min 36 s
